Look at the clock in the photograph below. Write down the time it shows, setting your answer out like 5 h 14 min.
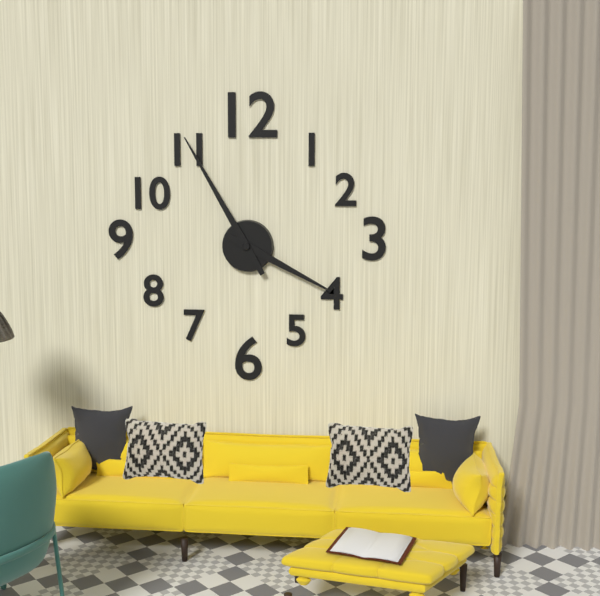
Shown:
3 h 55 min
